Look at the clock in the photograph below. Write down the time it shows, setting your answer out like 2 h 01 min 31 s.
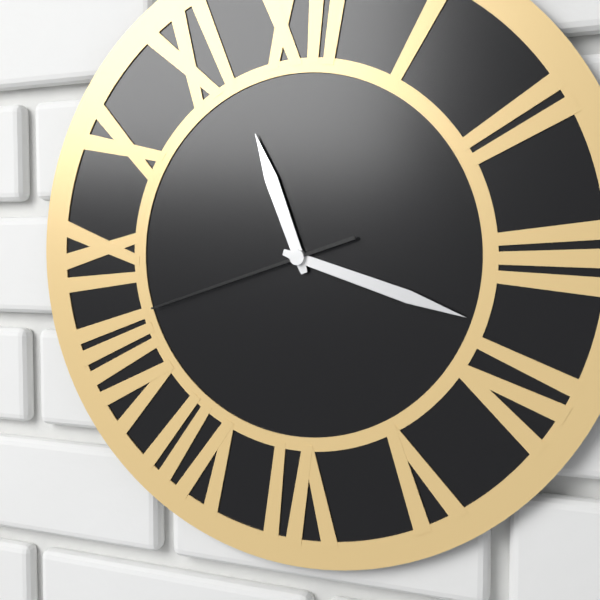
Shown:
11 h 18 min 42 s
